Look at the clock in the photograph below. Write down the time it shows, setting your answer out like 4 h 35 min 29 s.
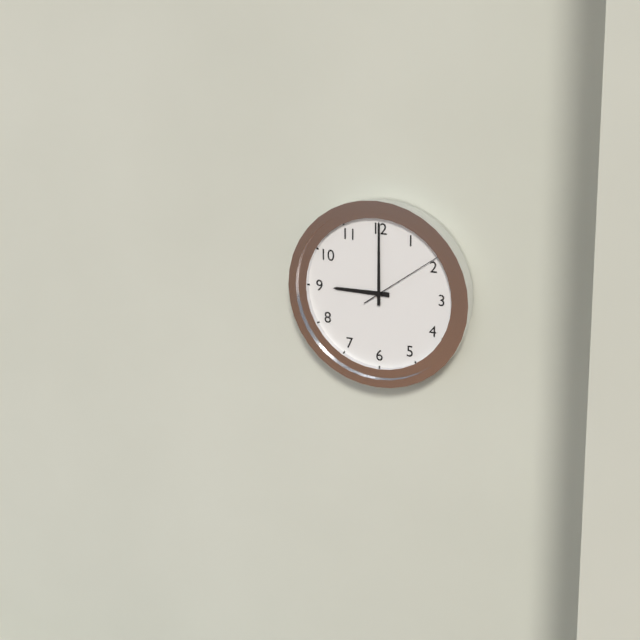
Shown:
9 h 00 min 09 s
